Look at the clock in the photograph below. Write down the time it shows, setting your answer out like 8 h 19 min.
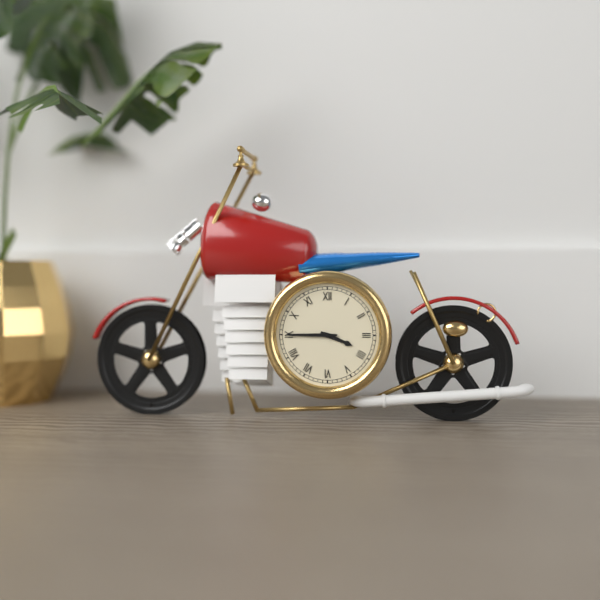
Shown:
3 h 45 min
